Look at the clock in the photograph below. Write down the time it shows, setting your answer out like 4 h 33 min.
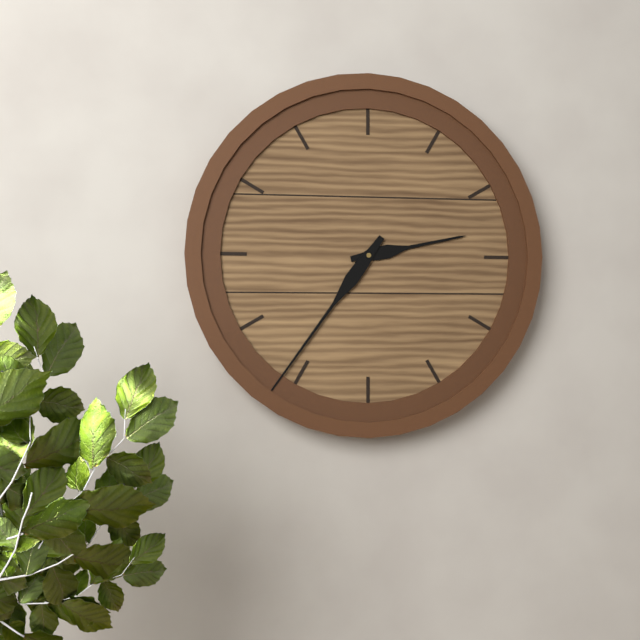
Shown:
2 h 36 min
